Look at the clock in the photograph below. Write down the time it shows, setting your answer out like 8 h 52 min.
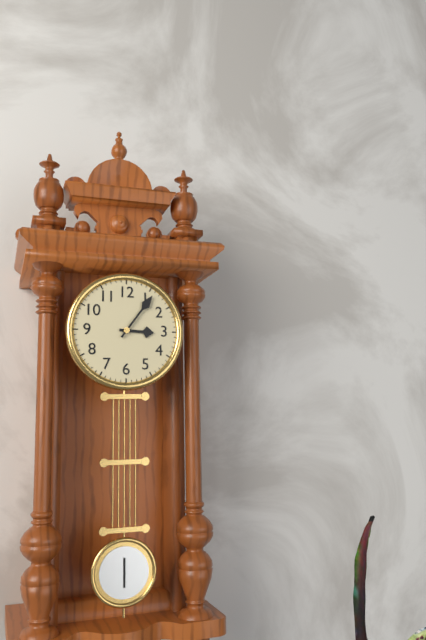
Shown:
3 h 06 min
